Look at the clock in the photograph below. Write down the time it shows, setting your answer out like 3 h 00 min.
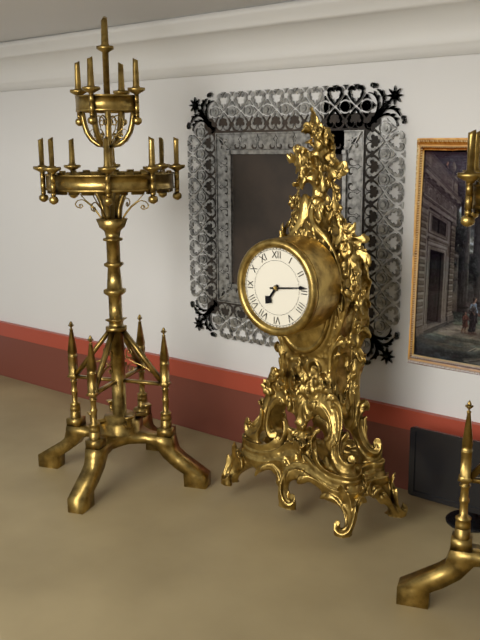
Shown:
7 h 14 min
